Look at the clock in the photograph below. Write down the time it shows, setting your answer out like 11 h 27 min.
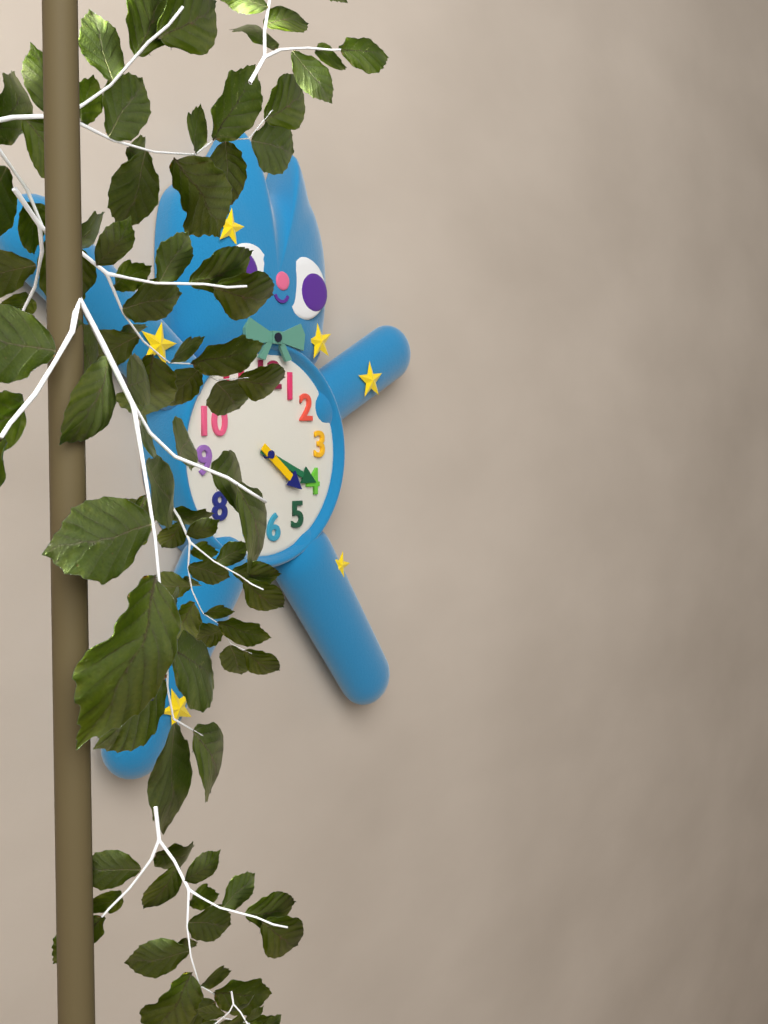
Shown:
4 h 19 min
